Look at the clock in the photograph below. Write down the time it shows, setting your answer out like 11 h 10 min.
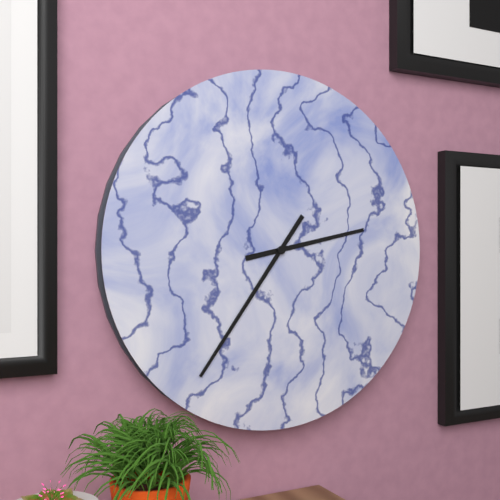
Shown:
2 h 36 min
